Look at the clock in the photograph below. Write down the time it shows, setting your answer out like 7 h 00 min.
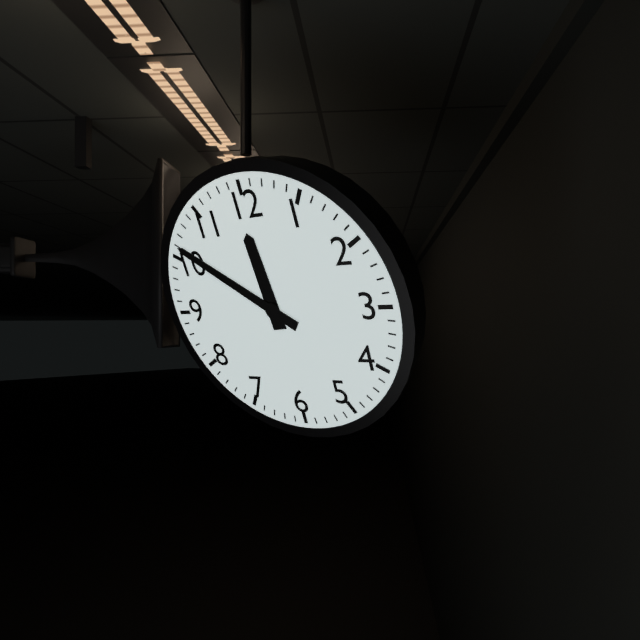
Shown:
11 h 51 min
